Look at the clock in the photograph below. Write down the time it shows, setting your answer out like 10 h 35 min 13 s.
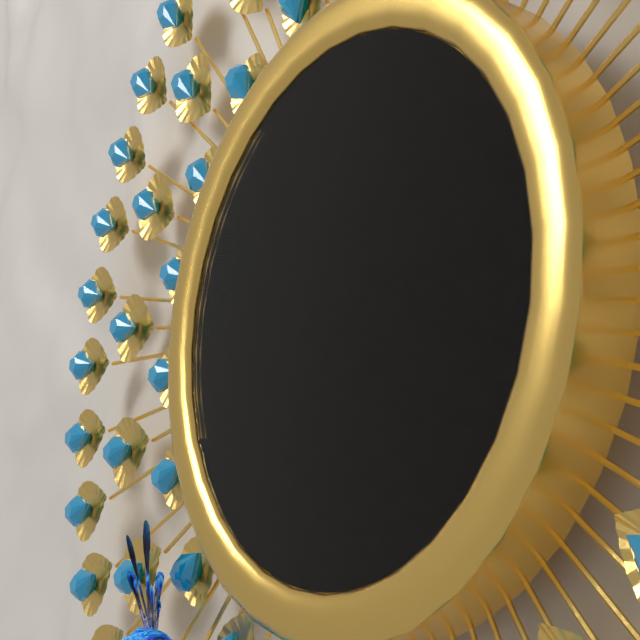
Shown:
12 h 37 min 26 s
